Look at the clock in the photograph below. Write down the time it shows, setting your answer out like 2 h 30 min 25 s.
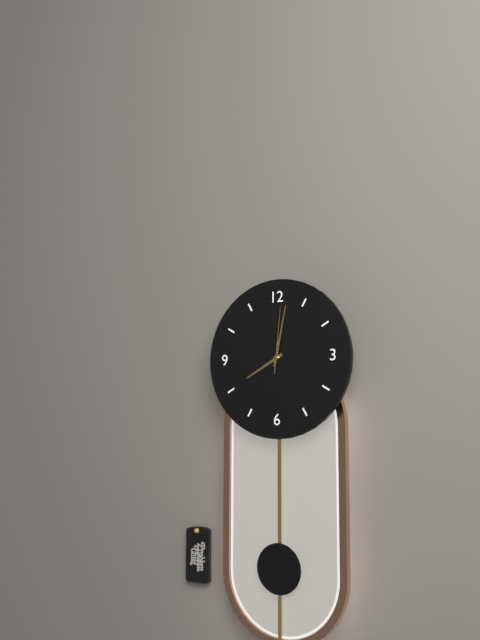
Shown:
8 h 02 min 01 s
